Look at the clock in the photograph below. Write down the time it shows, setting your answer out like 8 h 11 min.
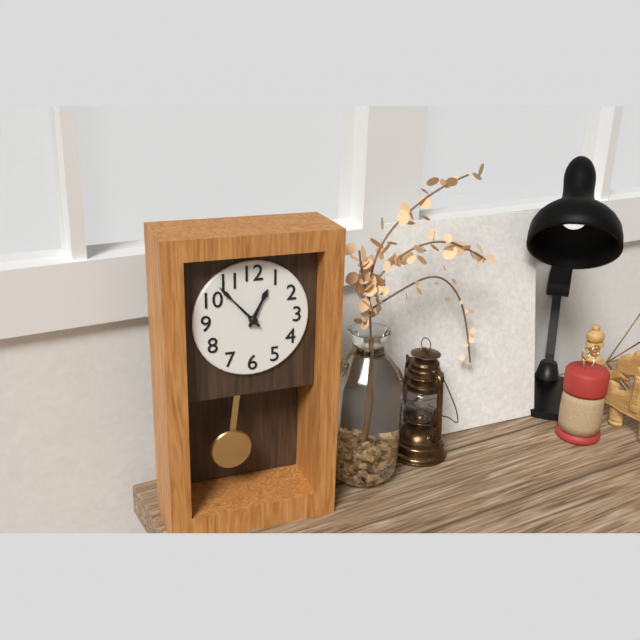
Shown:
12 h 53 min
